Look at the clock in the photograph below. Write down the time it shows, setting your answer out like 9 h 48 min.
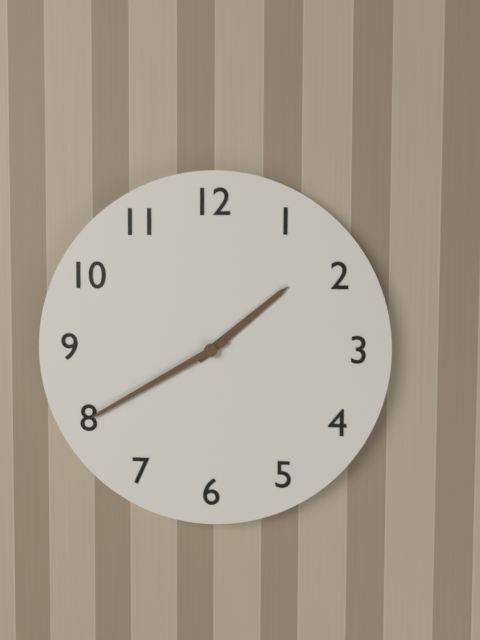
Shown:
1 h 40 min
